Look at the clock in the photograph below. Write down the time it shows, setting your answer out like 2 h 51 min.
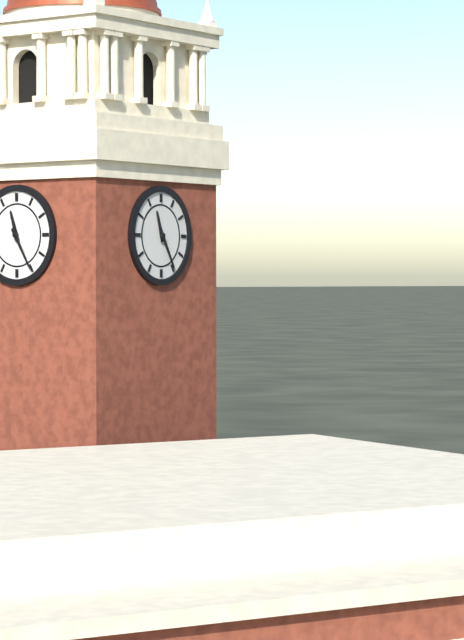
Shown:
11 h 25 min
